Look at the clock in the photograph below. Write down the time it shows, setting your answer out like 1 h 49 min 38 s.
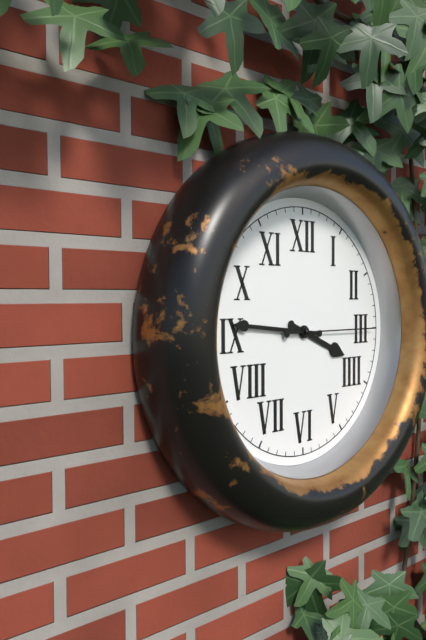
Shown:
3 h 46 min 15 s
